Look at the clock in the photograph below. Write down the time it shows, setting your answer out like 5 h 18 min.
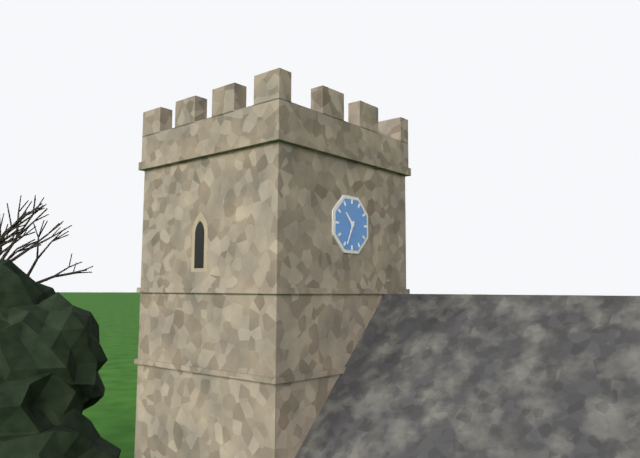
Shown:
10 h 34 min
